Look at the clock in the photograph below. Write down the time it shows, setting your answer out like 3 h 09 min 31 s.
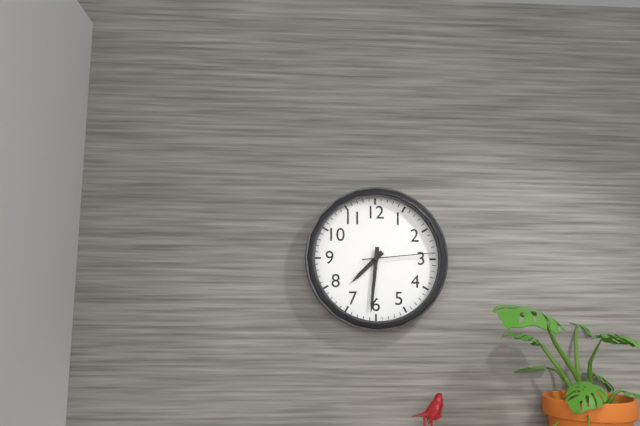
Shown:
7 h 31 min 14 s
